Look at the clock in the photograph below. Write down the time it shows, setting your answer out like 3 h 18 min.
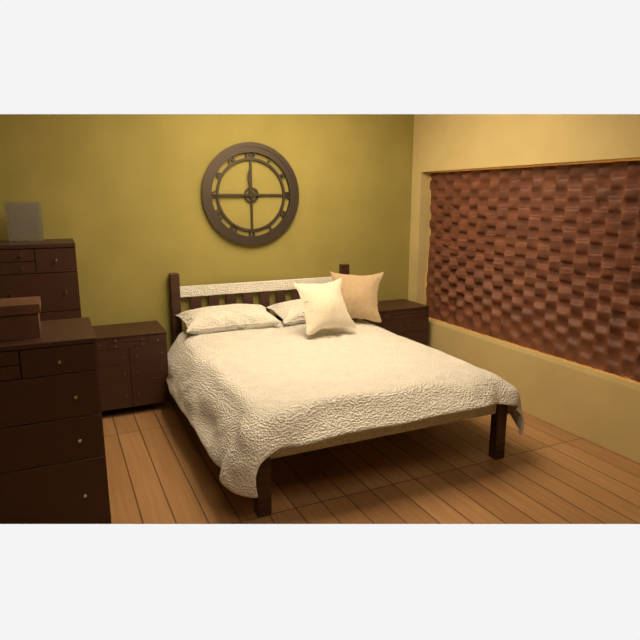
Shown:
11 h 45 min
